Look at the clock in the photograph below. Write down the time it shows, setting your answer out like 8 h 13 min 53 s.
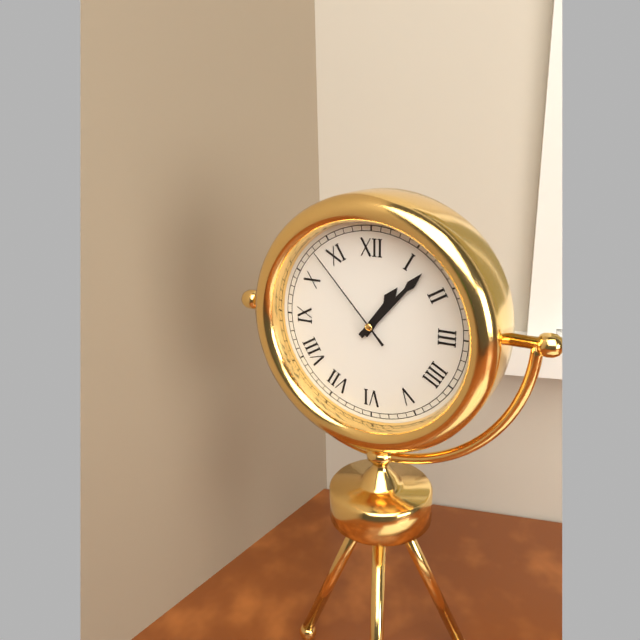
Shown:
1 h 07 min 53 s
